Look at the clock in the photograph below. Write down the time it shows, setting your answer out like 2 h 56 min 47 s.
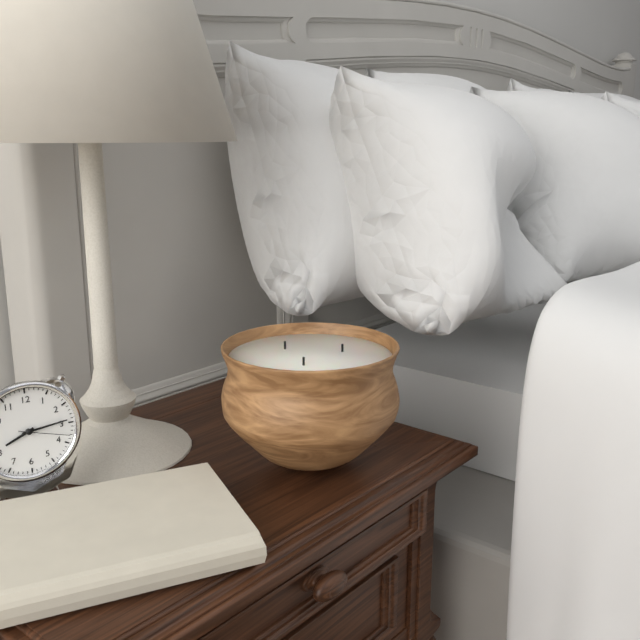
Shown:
8 h 14 min 18 s
